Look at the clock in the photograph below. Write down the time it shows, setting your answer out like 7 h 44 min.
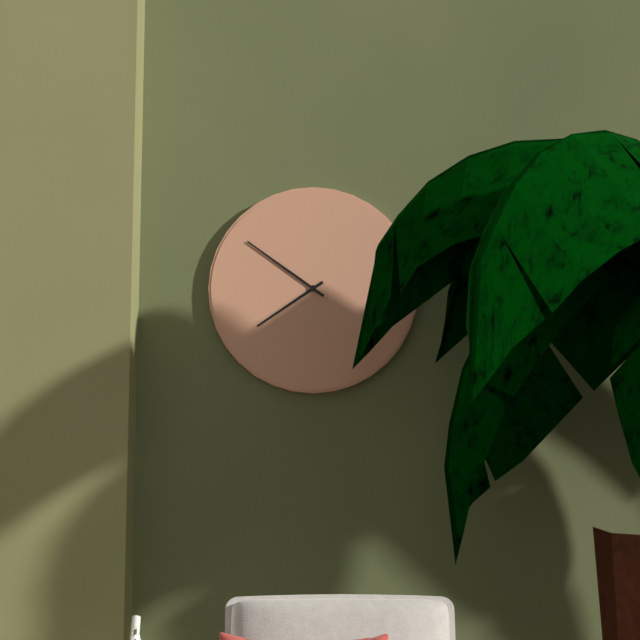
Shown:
7 h 51 min
